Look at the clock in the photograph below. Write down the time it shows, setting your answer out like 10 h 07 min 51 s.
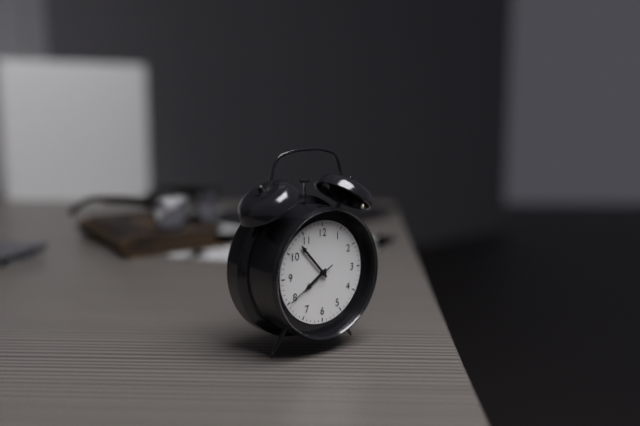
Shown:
7 h 53 min 40 s
